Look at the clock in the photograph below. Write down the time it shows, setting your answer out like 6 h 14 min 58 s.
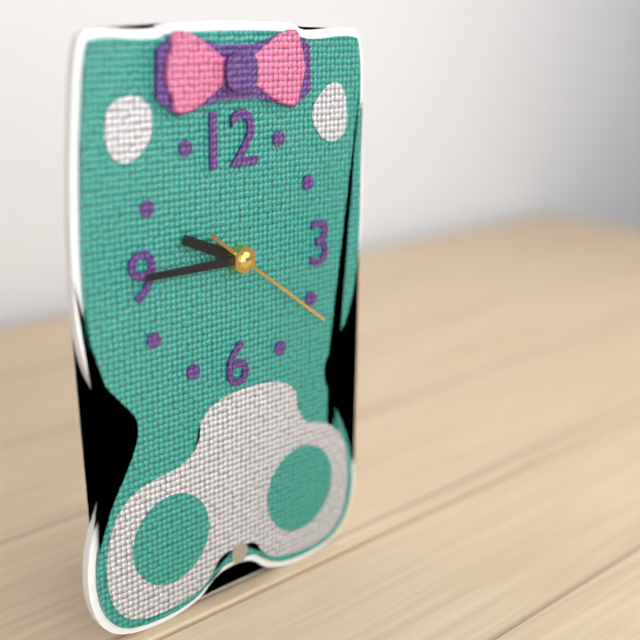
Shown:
9 h 45 min 21 s
